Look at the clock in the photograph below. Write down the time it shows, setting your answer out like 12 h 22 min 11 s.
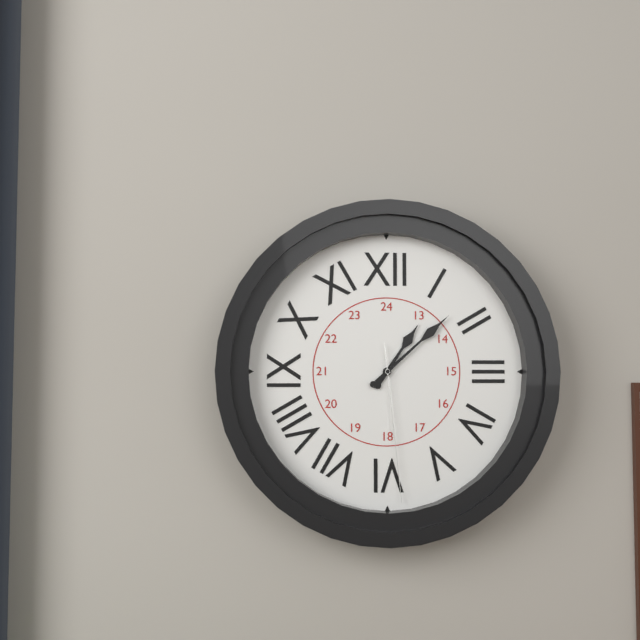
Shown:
1 h 08 min 29 s
